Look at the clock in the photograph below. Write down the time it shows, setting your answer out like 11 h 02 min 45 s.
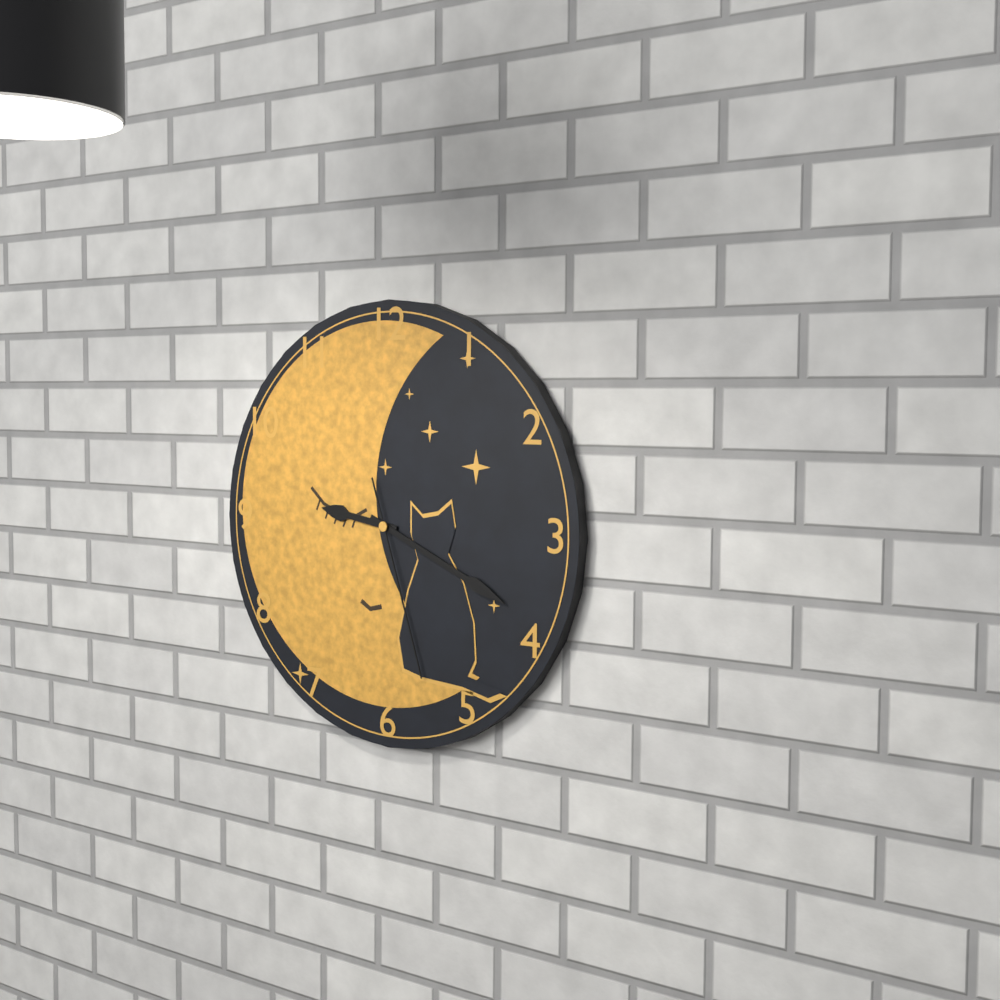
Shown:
9 h 19 min 27 s
